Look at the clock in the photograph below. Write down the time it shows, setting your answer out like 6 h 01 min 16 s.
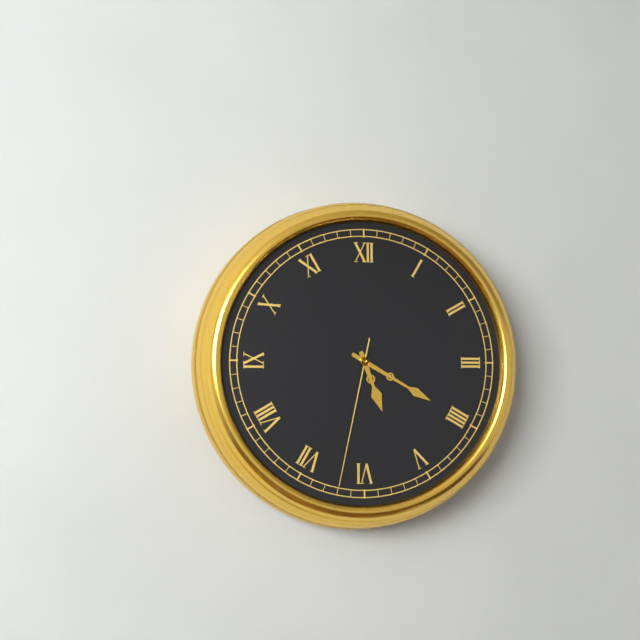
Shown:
5 h 20 min 32 s
